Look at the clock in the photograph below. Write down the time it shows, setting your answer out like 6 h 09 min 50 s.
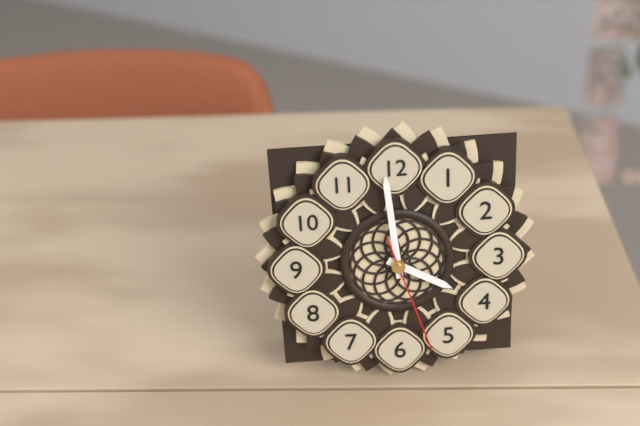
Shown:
3 h 59 min 27 s
